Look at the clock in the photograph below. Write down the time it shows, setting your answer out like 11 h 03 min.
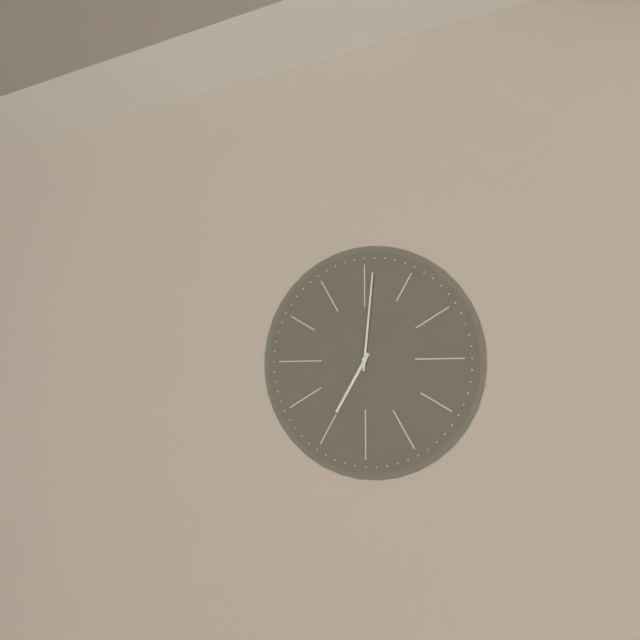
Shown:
7 h 01 min
